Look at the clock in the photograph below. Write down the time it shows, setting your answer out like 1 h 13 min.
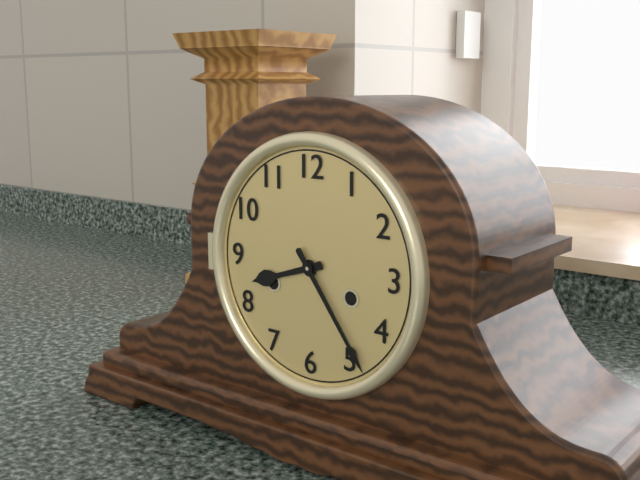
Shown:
8 h 24 min
